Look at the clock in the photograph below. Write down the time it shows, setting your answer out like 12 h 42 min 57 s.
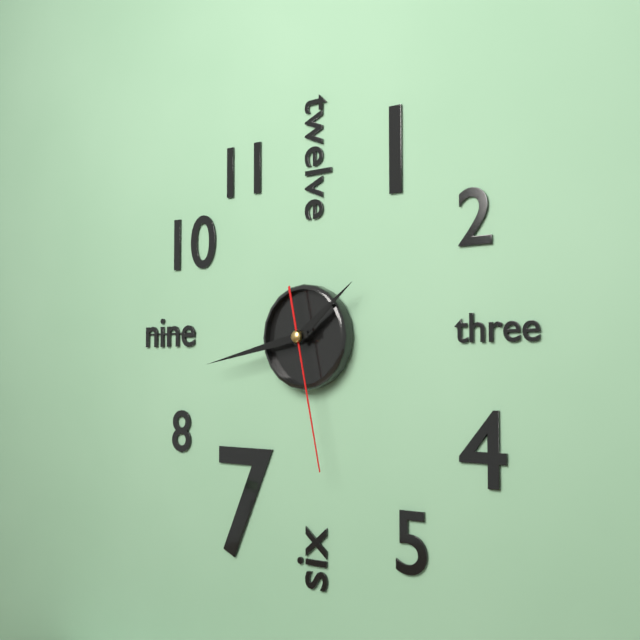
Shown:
1 h 43 min 28 s
